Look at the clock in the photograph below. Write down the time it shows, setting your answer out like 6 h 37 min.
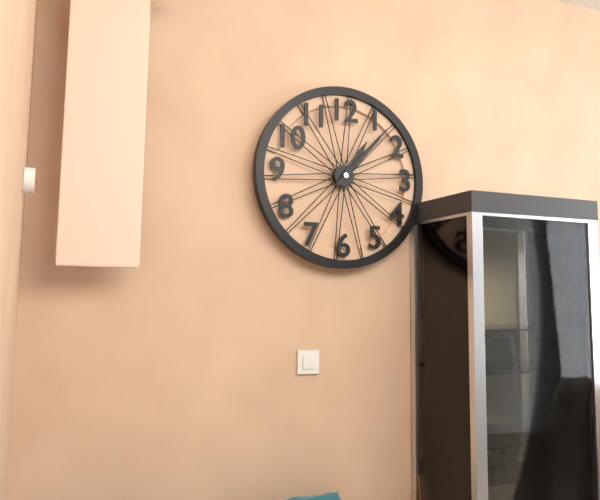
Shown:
1 h 07 min
